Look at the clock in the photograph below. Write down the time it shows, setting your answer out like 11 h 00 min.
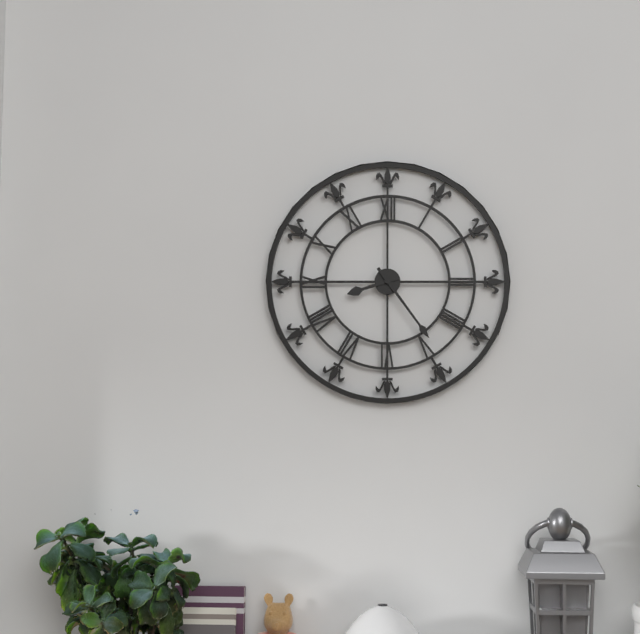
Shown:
8 h 24 min
